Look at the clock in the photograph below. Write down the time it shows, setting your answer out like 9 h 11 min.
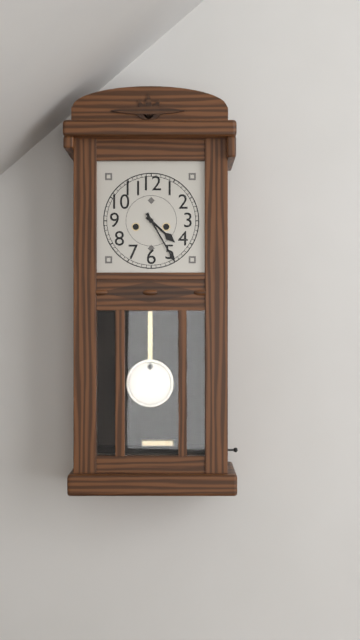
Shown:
4 h 25 min
